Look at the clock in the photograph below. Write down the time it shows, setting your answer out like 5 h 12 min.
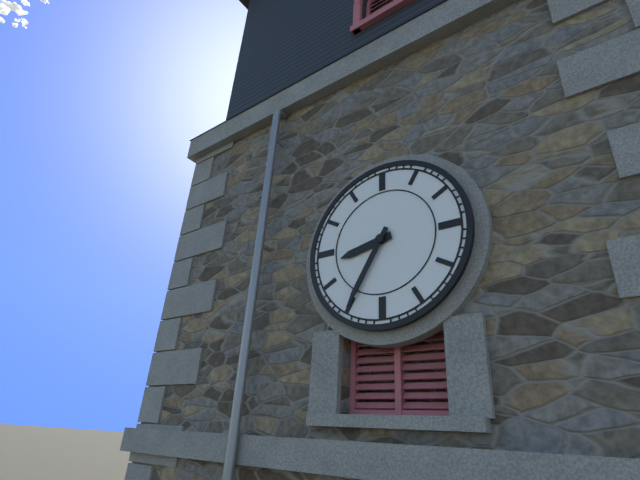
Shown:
8 h 35 min
